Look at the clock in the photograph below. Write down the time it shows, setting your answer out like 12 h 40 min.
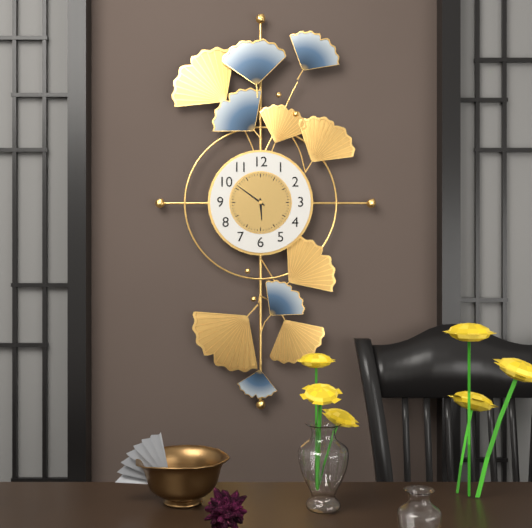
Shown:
5 h 51 min
